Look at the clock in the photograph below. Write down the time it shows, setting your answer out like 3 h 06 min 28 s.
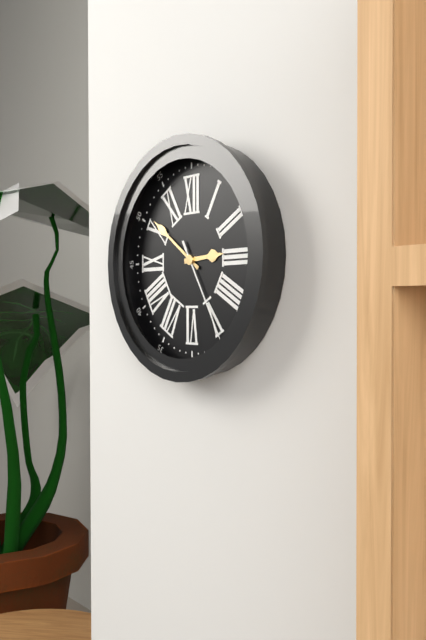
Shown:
2 h 51 min 25 s
